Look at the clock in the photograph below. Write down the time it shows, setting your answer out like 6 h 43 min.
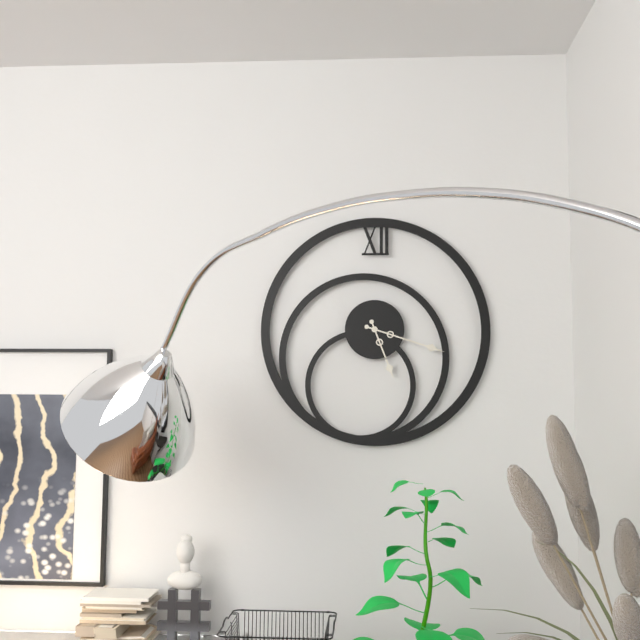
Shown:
5 h 18 min
